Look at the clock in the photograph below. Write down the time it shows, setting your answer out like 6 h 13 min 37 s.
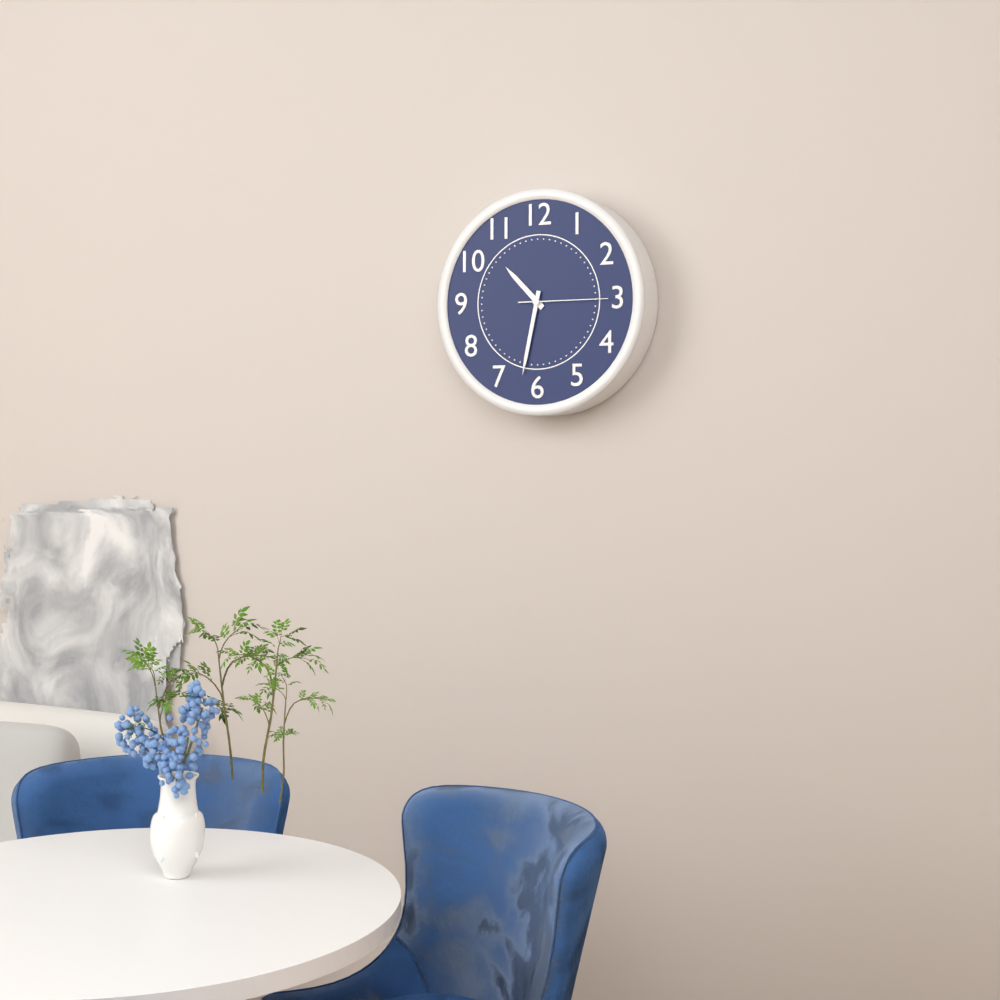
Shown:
10 h 32 min 15 s
